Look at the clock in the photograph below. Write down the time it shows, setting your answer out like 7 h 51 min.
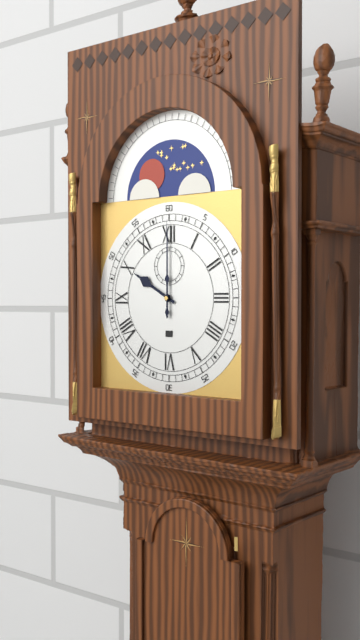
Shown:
10 h 00 min
